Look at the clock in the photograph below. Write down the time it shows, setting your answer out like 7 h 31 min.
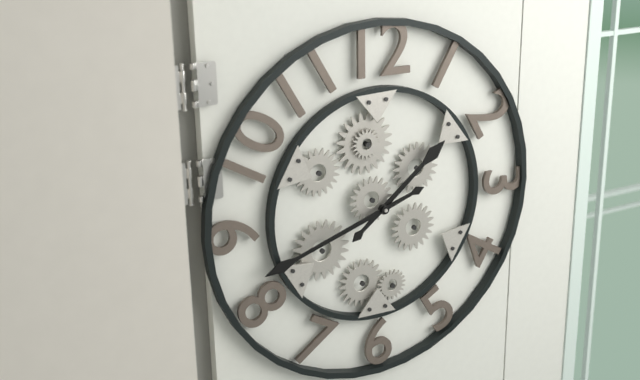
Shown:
1 h 42 min
